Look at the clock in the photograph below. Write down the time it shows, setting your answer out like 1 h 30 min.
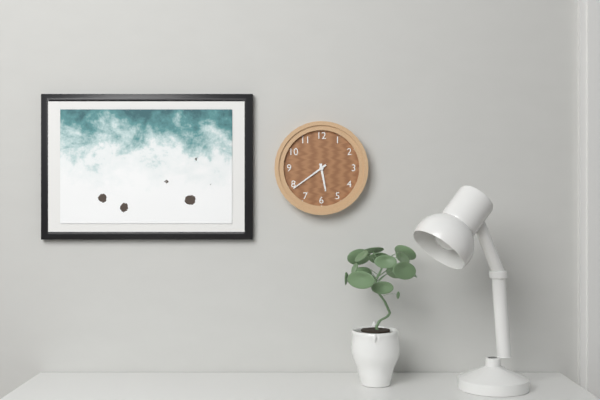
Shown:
5 h 39 min
